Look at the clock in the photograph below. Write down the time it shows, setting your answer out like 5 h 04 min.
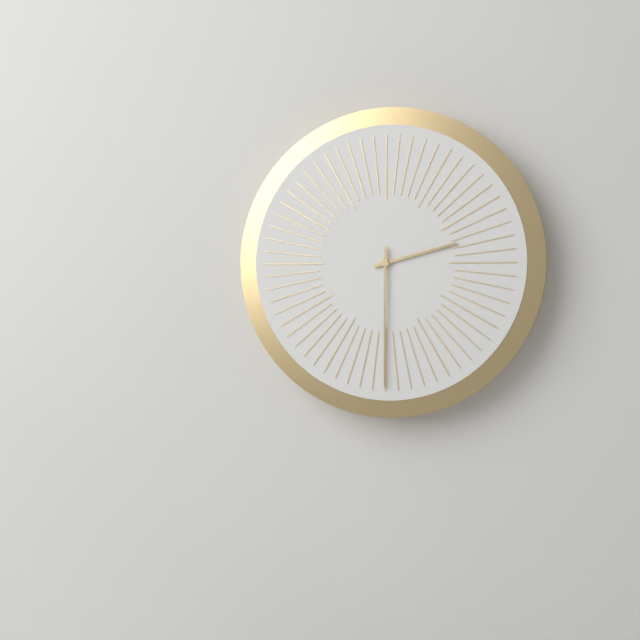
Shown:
2 h 30 min
